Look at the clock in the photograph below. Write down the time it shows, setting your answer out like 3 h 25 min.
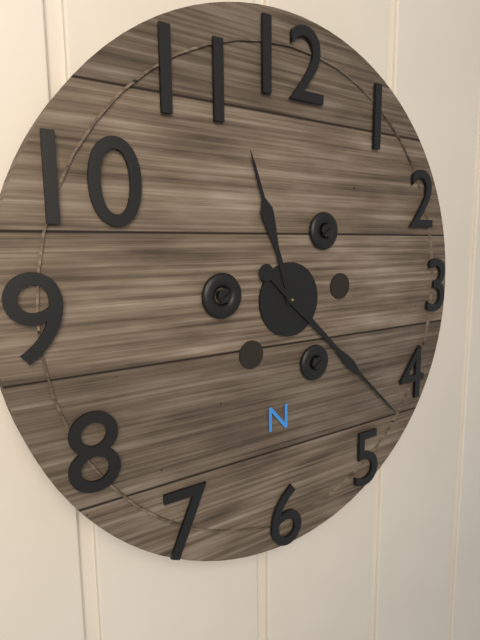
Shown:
11 h 22 min
